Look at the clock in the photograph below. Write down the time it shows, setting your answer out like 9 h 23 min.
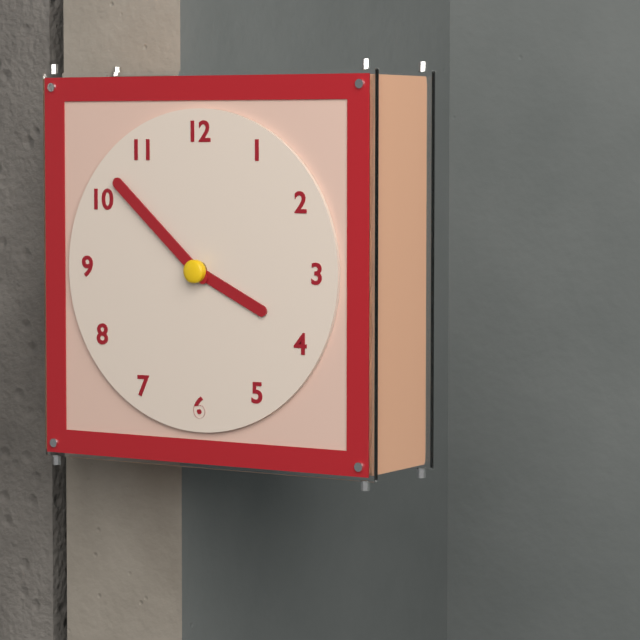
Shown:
3 h 52 min
